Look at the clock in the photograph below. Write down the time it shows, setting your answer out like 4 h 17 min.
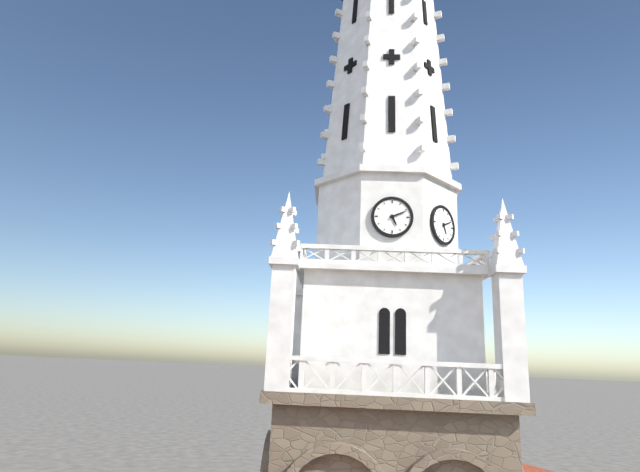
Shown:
5 h 11 min
